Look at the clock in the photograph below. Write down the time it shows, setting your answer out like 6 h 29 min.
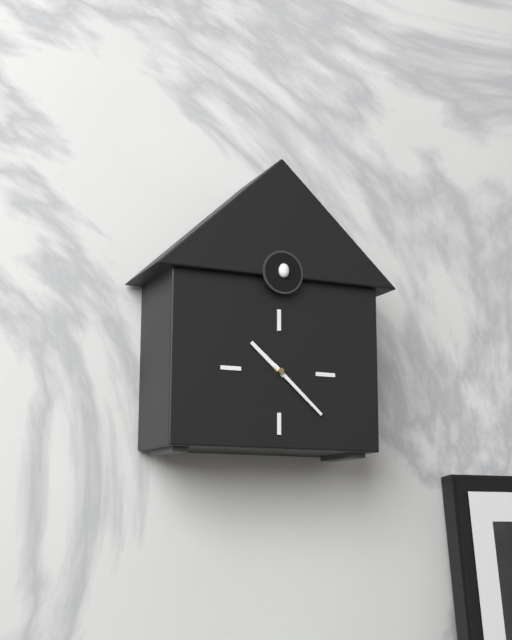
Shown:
10 h 22 min
